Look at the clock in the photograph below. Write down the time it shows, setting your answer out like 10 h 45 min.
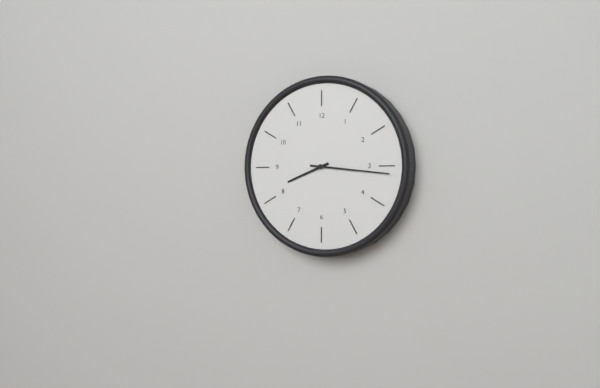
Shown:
8 h 16 min
